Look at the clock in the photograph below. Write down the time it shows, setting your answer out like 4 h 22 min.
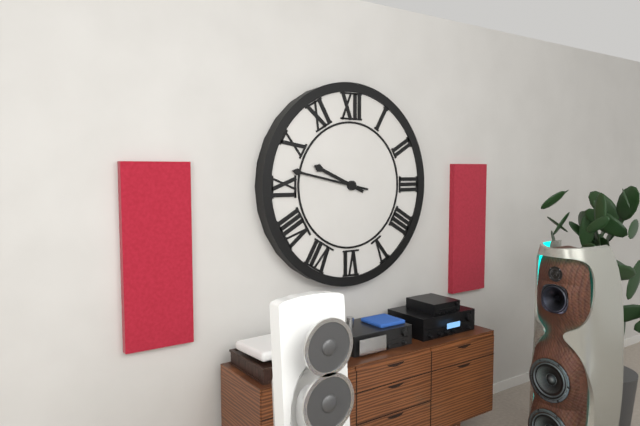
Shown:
9 h 47 min
